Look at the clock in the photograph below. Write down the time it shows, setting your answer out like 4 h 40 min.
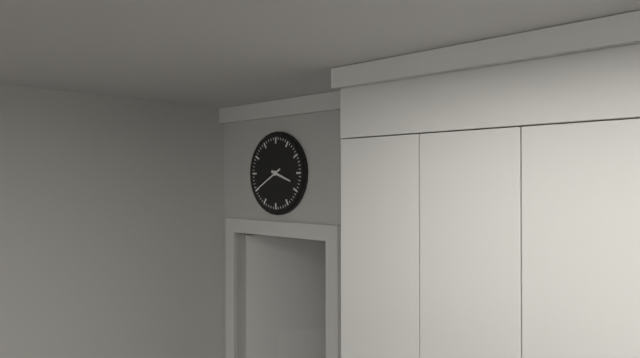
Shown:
3 h 40 min
